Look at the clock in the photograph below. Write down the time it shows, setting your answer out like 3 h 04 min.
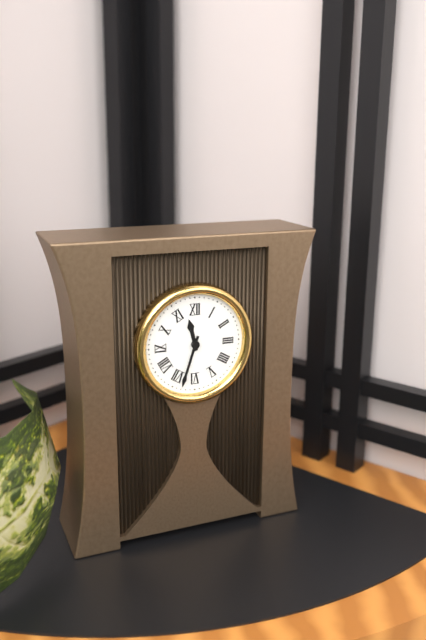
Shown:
11 h 33 min
